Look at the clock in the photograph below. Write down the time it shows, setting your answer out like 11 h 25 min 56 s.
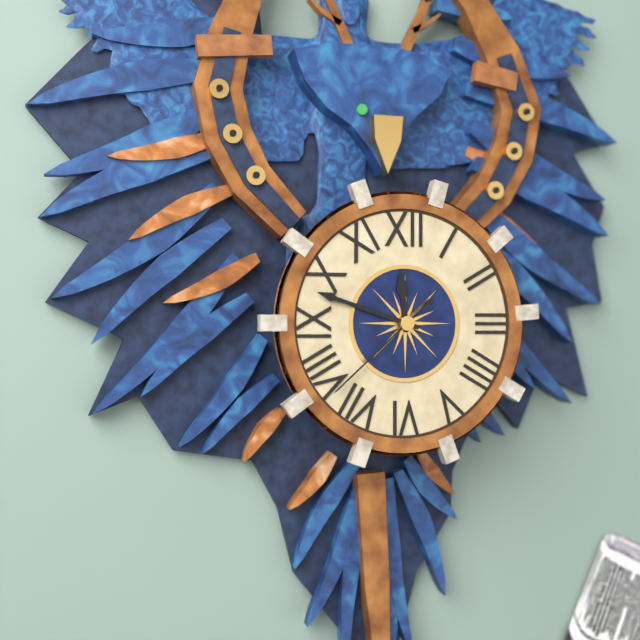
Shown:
11 h 48 min 38 s
